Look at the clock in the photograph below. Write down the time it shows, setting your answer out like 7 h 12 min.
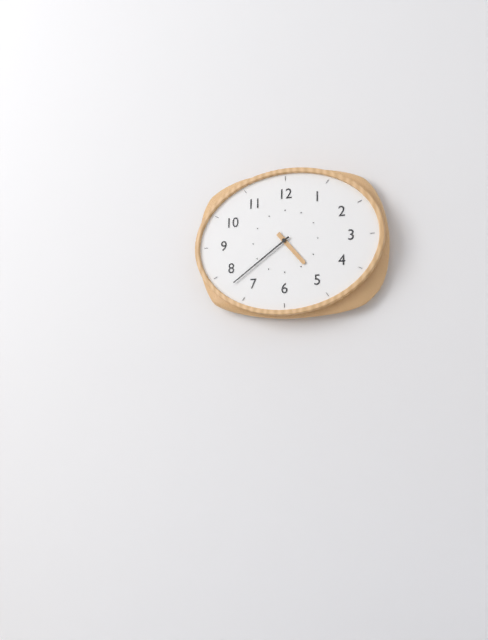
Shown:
4 h 39 min
